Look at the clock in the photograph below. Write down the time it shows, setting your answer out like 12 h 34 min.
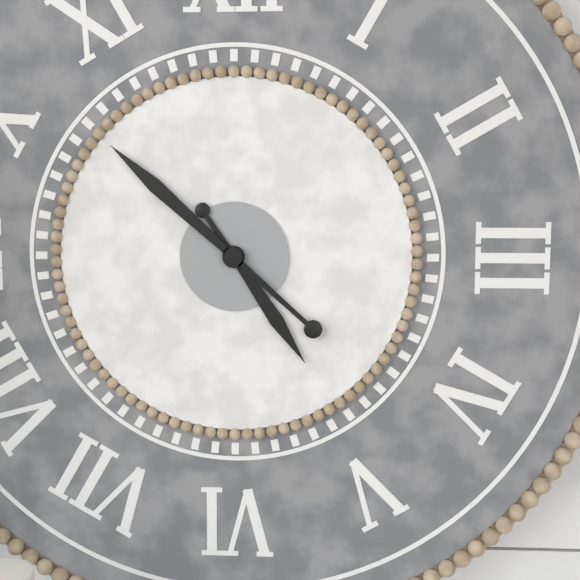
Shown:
4 h 52 min
